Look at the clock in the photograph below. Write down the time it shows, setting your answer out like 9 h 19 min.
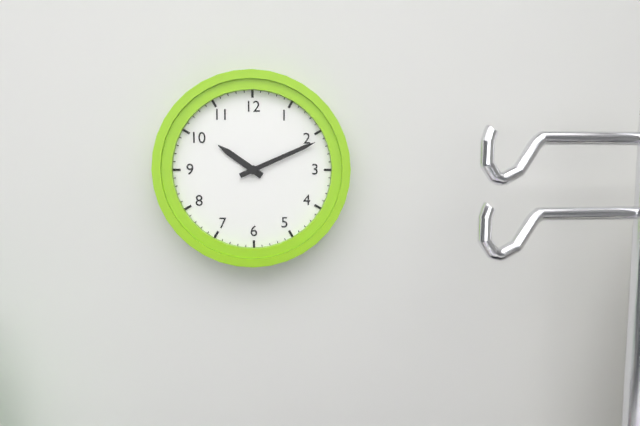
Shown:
10 h 11 min
